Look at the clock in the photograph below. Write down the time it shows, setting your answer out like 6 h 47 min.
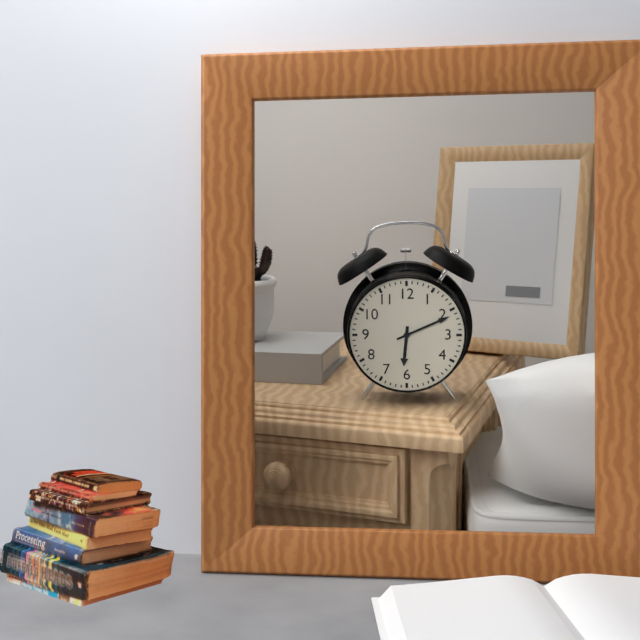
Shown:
6 h 11 min
